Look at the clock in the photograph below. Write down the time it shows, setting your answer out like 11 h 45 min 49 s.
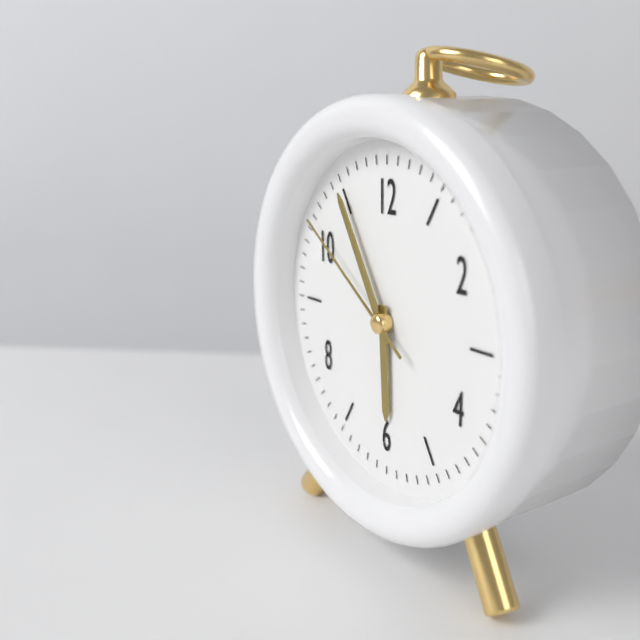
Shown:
5 h 55 min 51 s
